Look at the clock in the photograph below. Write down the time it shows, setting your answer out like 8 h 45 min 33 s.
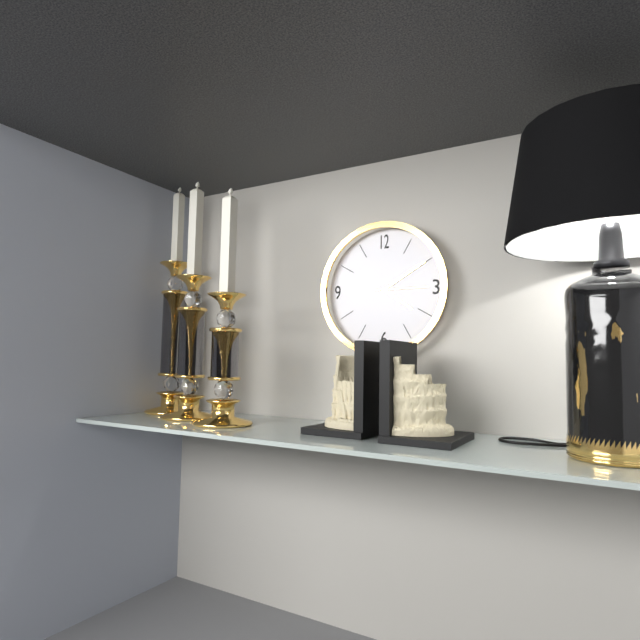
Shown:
4 h 10 min 15 s
